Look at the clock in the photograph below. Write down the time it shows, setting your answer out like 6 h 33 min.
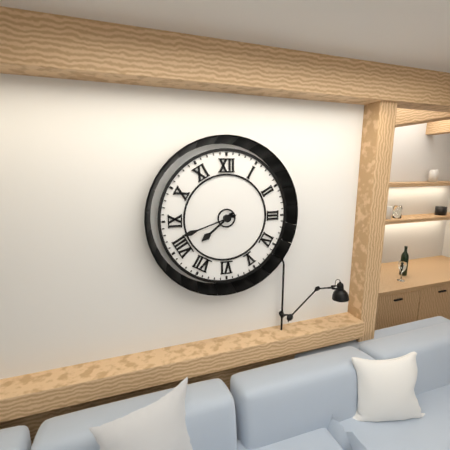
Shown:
7 h 42 min
